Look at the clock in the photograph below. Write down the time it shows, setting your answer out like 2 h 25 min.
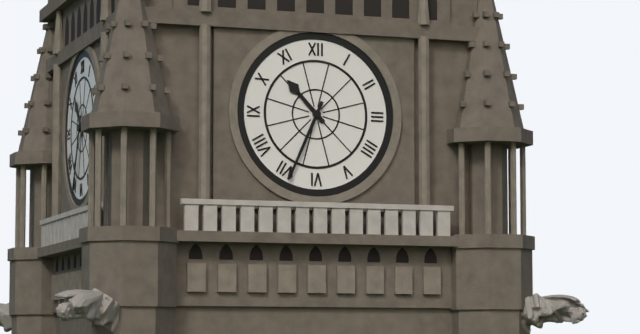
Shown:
10 h 34 min
